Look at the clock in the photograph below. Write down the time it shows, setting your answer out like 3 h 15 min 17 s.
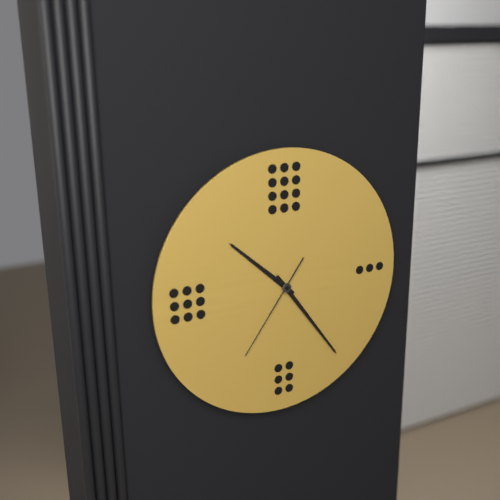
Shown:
10 h 24 min 36 s
